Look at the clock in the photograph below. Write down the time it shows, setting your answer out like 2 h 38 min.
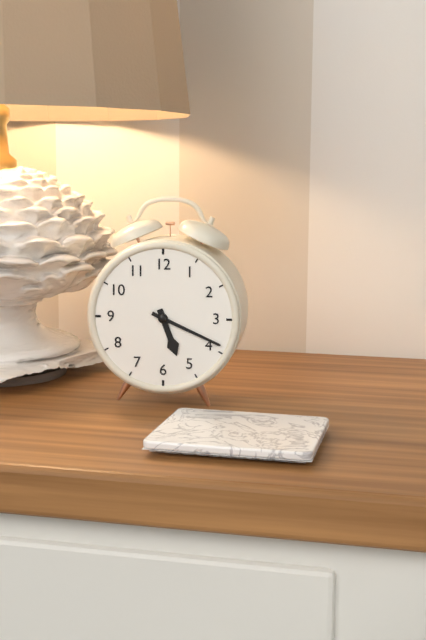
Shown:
5 h 19 min
